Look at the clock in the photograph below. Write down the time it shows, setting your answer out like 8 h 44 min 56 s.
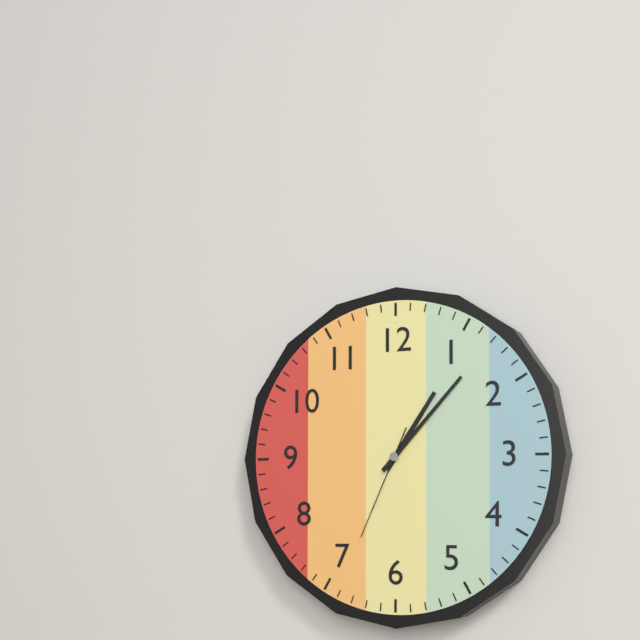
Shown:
1 h 07 min 34 s
